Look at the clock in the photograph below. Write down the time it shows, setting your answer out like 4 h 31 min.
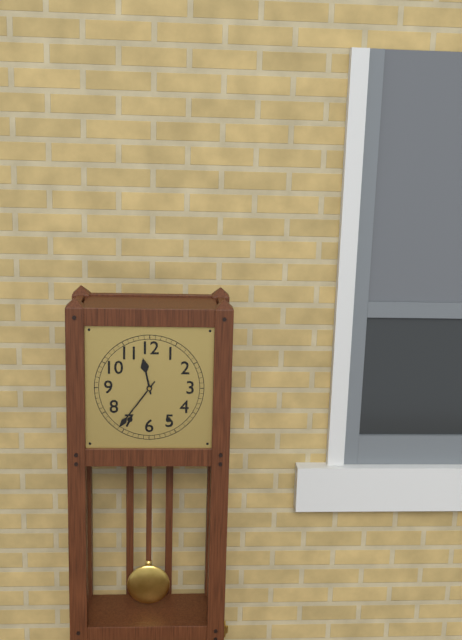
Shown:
11 h 36 min
